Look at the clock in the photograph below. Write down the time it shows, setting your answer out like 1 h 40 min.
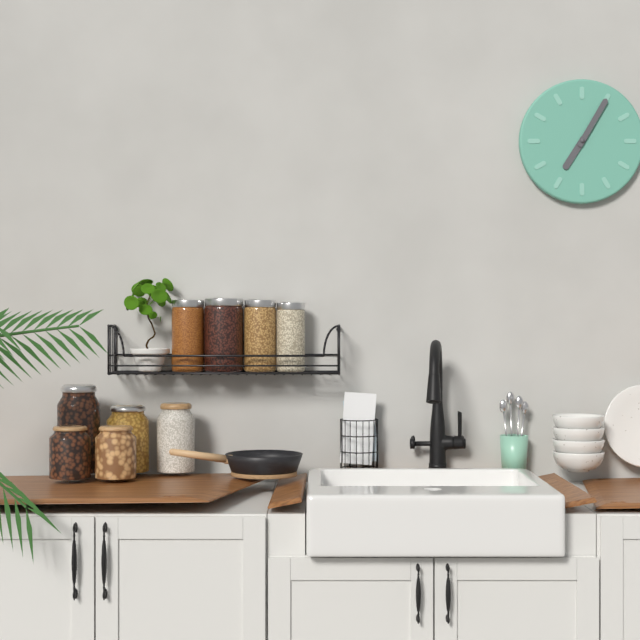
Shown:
7 h 05 min
